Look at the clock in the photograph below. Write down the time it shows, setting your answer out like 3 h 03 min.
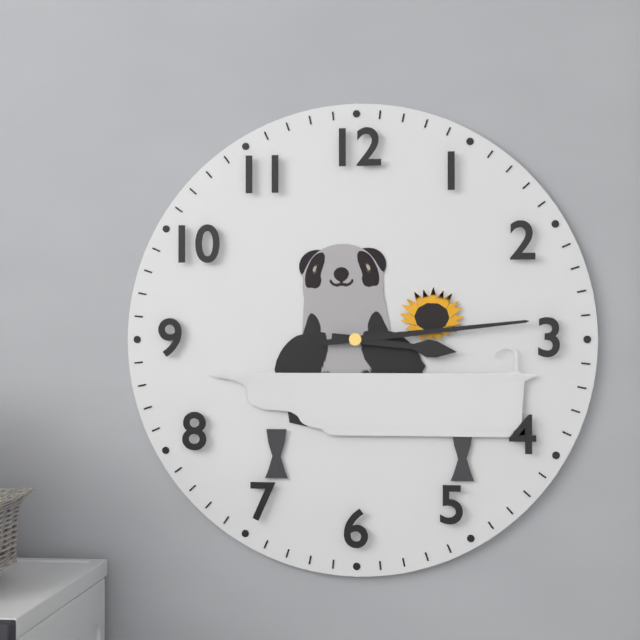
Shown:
3 h 14 min
